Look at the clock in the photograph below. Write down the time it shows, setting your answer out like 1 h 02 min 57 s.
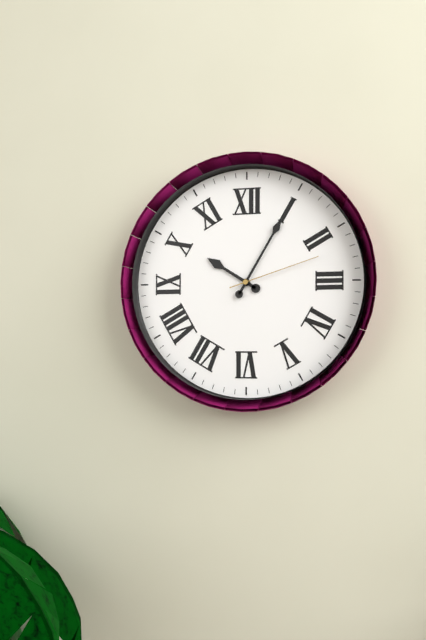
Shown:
10 h 05 min 12 s
